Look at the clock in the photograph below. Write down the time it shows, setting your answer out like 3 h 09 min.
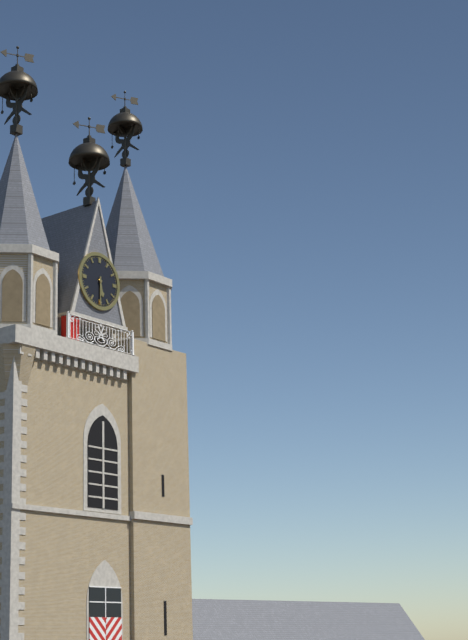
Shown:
5 h 30 min
